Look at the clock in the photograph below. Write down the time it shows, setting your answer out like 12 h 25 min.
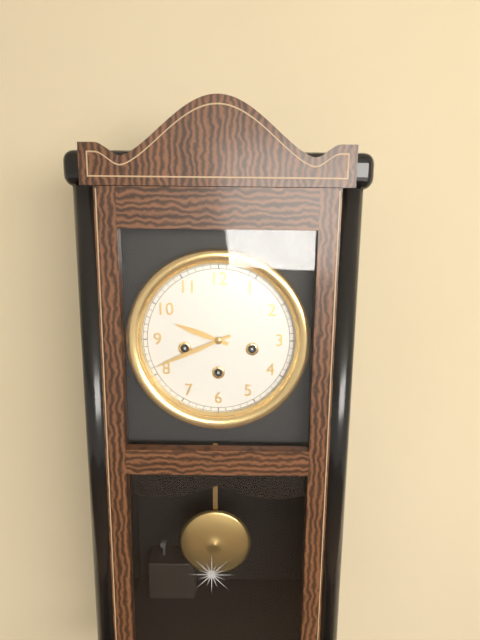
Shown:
9 h 41 min
